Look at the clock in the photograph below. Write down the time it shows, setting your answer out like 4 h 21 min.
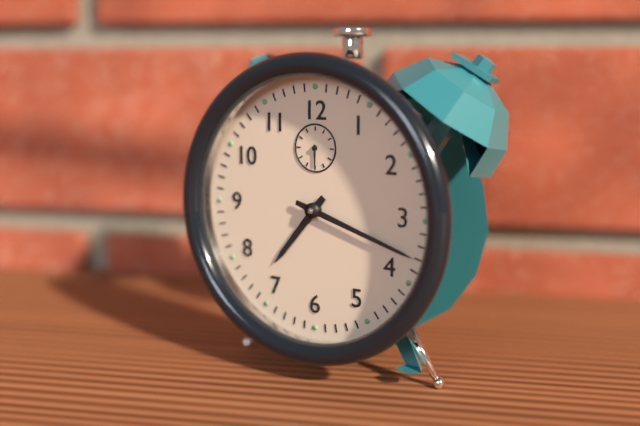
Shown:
7 h 18 min
